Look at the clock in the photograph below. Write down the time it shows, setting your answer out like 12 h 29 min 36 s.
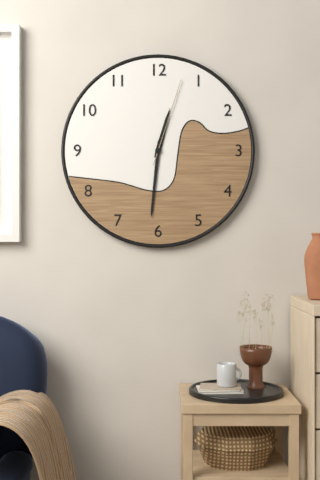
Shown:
12 h 31 min 03 s
